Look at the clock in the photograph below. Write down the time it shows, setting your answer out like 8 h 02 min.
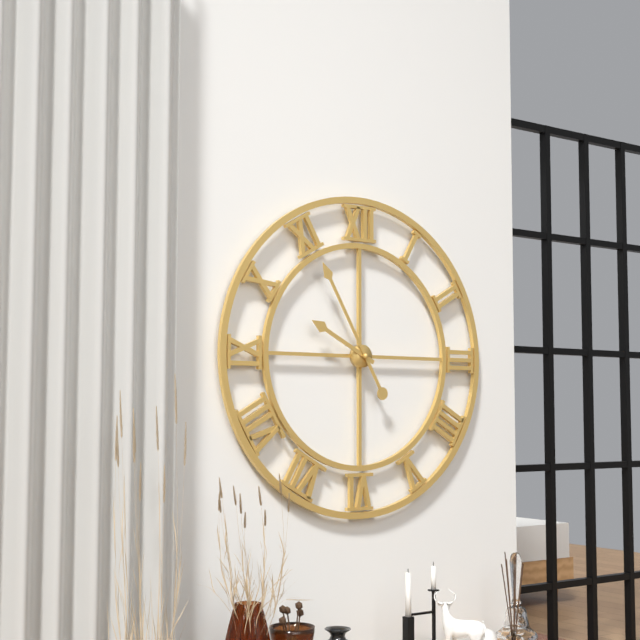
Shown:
9 h 55 min
